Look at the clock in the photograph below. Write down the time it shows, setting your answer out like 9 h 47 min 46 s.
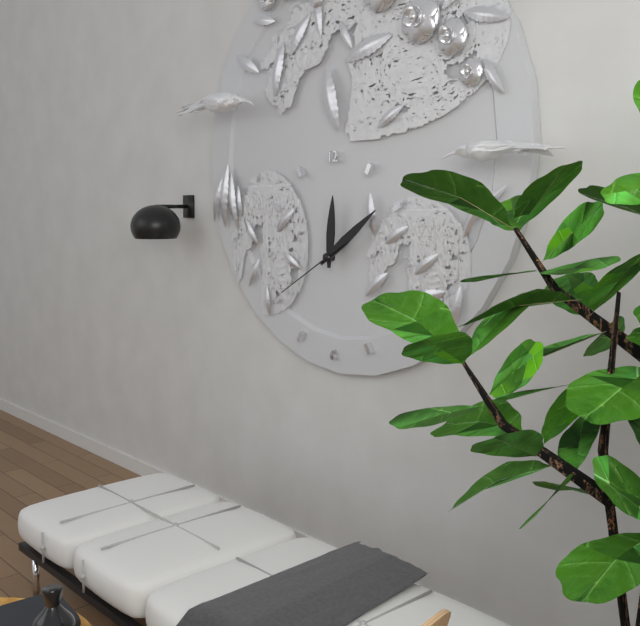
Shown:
12 h 09 min 40 s
